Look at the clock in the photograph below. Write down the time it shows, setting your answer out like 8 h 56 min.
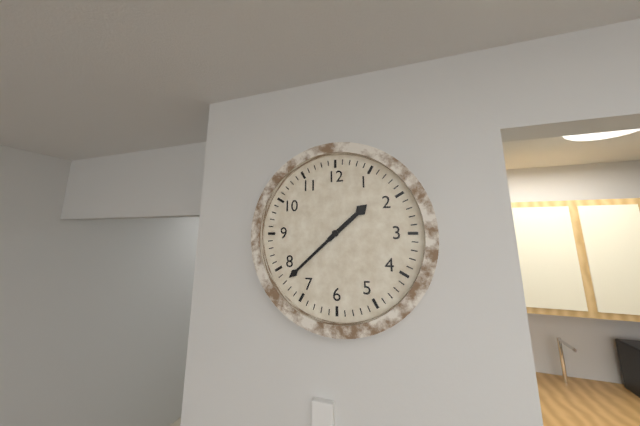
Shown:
1 h 38 min
